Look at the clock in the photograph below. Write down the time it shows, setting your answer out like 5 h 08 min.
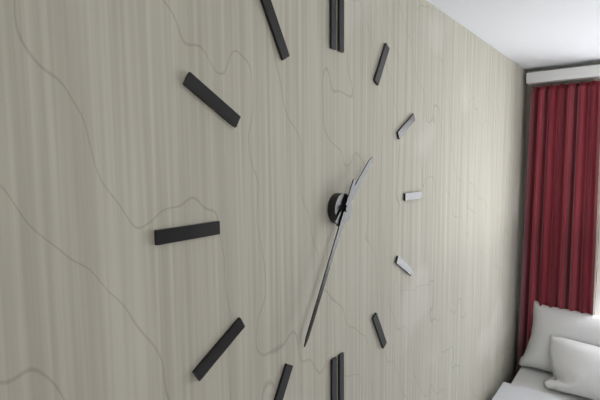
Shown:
1 h 35 min
